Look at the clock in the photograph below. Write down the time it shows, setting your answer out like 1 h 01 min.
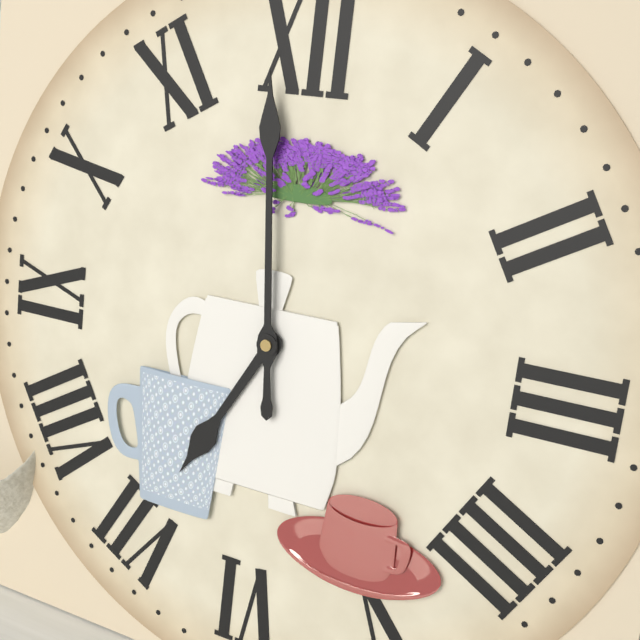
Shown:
6 h 59 min
